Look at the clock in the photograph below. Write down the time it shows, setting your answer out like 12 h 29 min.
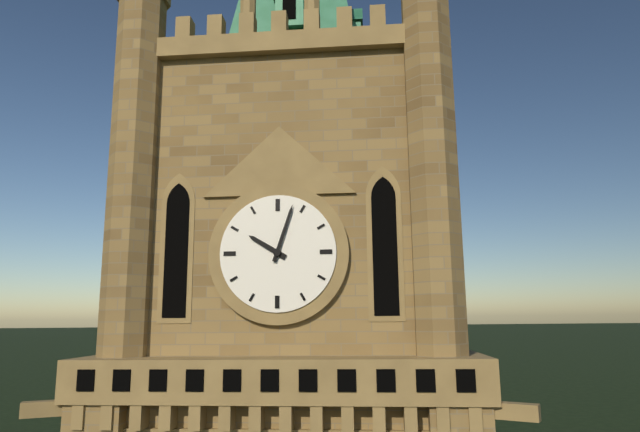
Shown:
10 h 03 min
